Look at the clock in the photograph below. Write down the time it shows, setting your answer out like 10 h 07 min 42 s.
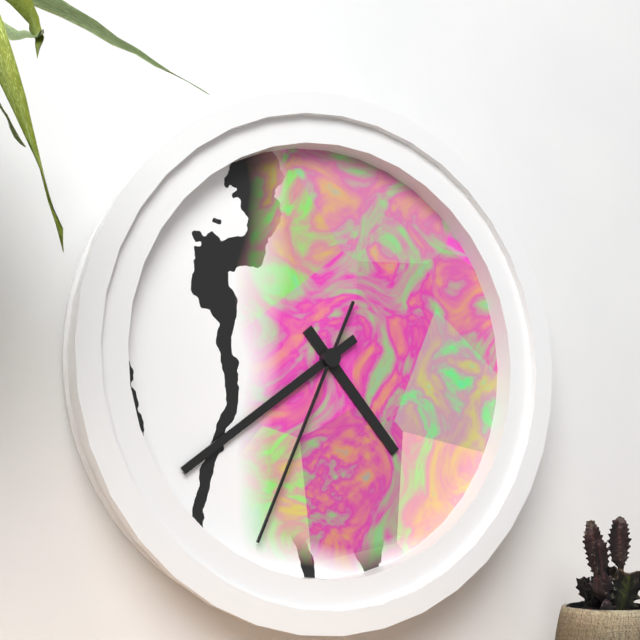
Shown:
4 h 39 min 34 s
